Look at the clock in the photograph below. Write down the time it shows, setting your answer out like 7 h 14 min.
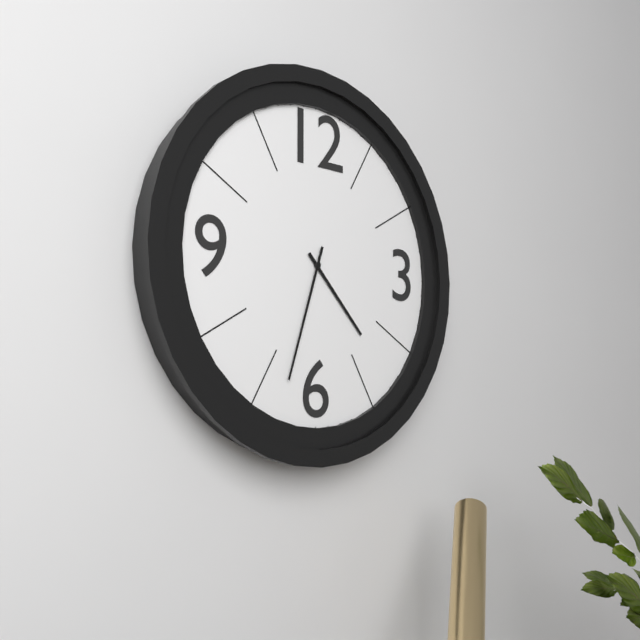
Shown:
4 h 33 min
